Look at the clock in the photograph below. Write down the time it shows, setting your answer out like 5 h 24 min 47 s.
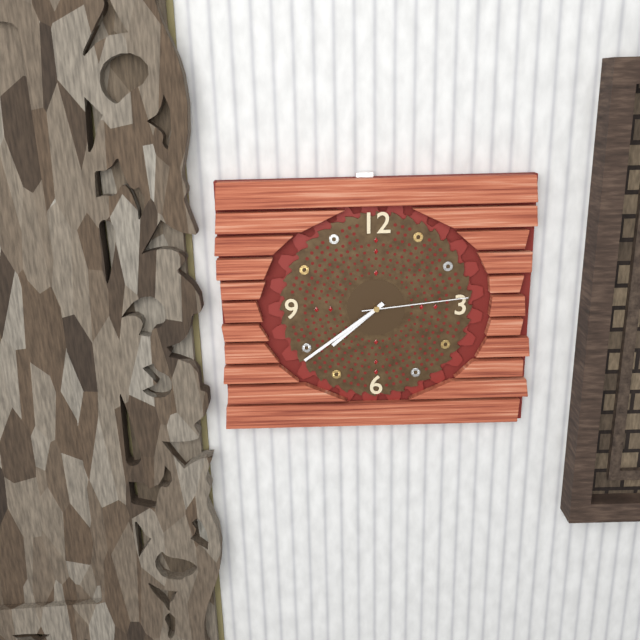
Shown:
7 h 39 min 14 s
